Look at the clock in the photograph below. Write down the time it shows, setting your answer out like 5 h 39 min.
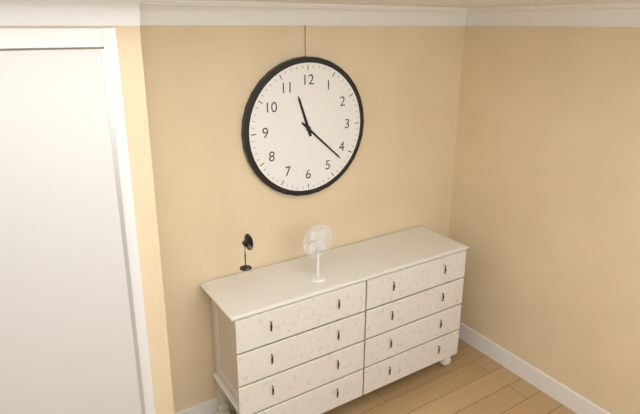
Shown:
11 h 22 min
